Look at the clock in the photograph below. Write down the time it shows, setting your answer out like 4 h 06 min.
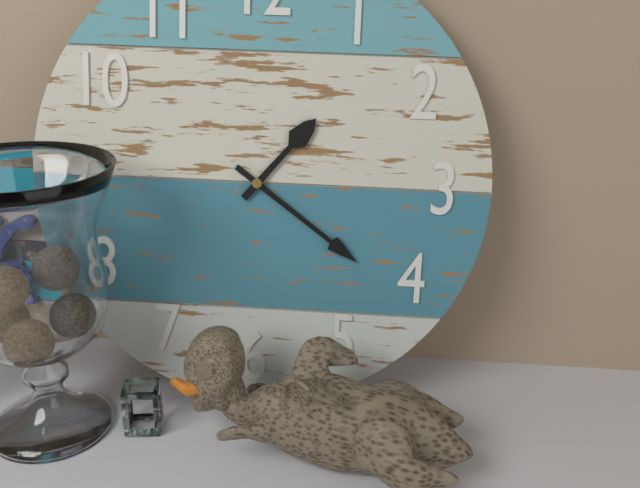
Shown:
1 h 21 min
